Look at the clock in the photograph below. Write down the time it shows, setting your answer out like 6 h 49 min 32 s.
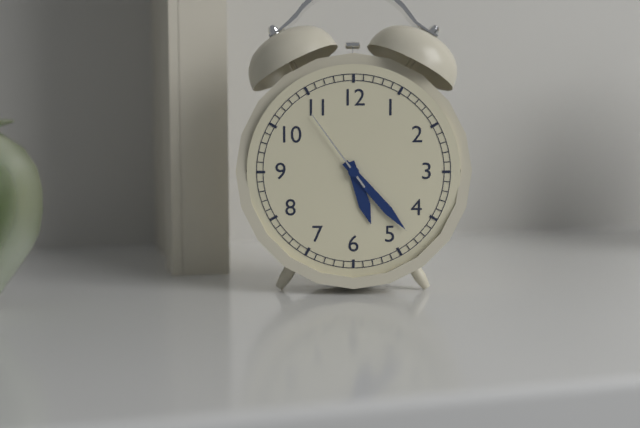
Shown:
5 h 23 min 54 s
